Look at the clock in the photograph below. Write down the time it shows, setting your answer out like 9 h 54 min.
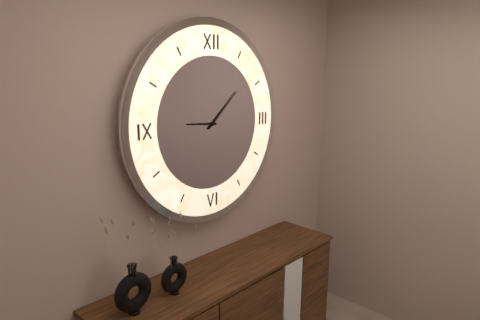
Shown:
9 h 08 min
